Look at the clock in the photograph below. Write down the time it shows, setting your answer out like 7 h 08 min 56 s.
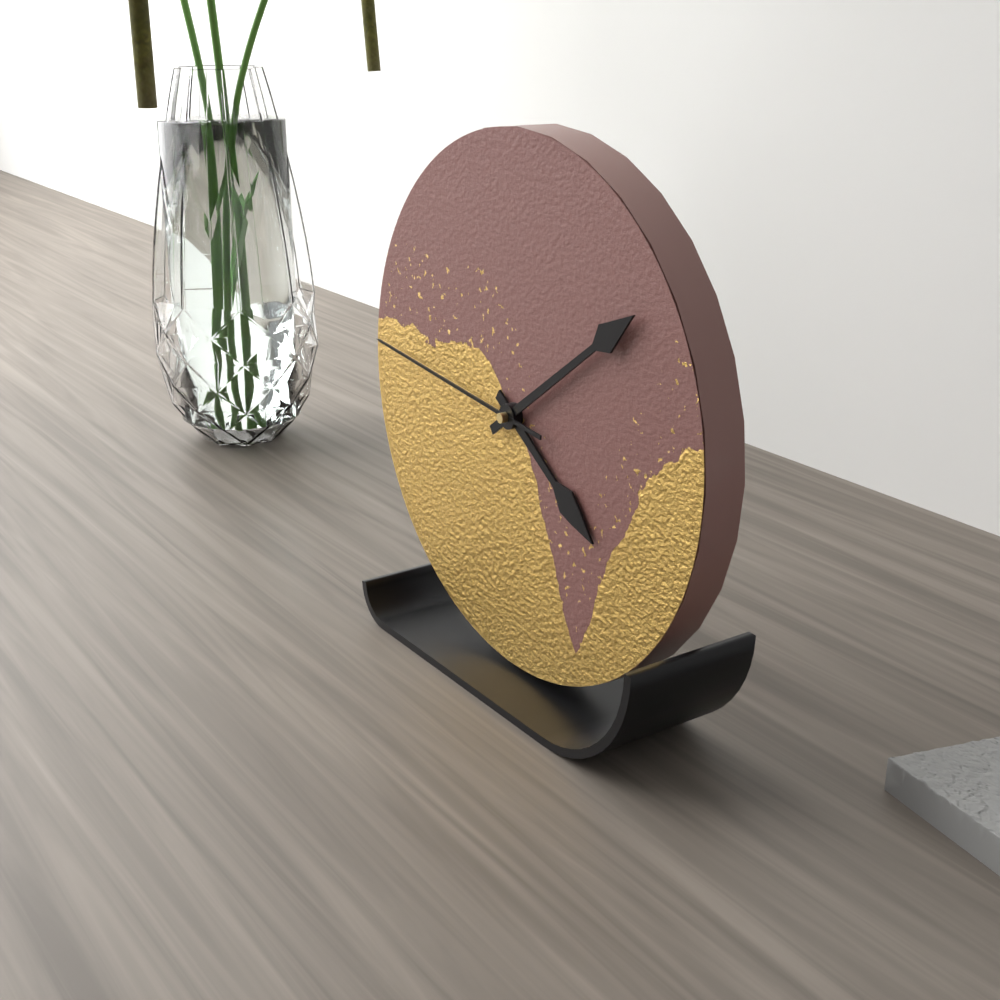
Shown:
4 h 09 min 46 s
